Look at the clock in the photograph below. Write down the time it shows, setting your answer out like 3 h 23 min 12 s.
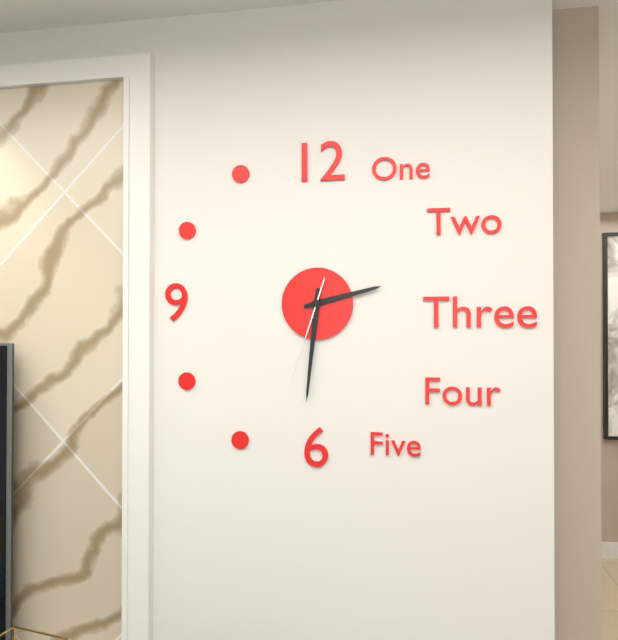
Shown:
2 h 31 min 33 s
